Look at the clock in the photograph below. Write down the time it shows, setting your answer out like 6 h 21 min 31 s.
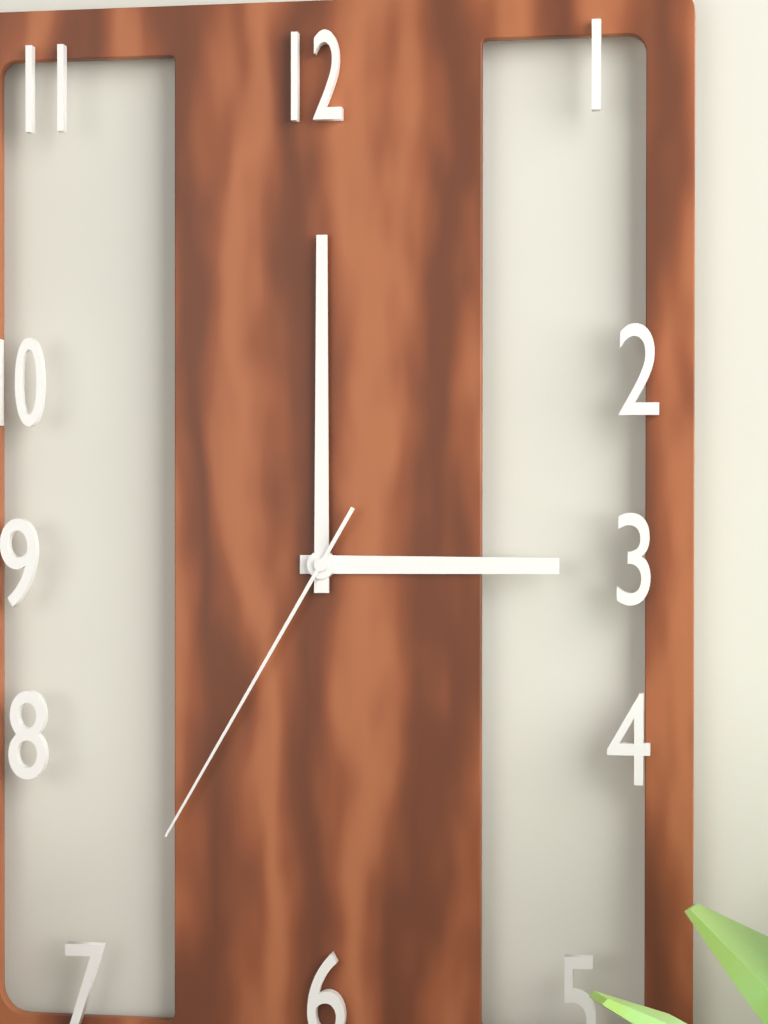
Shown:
3 h 00 min 35 s
